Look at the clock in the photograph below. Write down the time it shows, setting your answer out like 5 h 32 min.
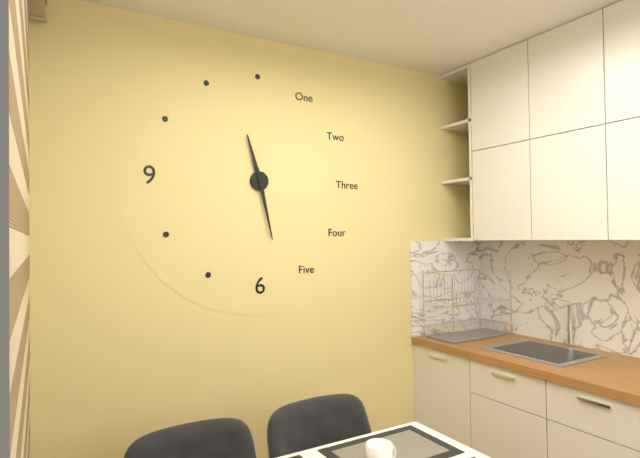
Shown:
11 h 28 min
